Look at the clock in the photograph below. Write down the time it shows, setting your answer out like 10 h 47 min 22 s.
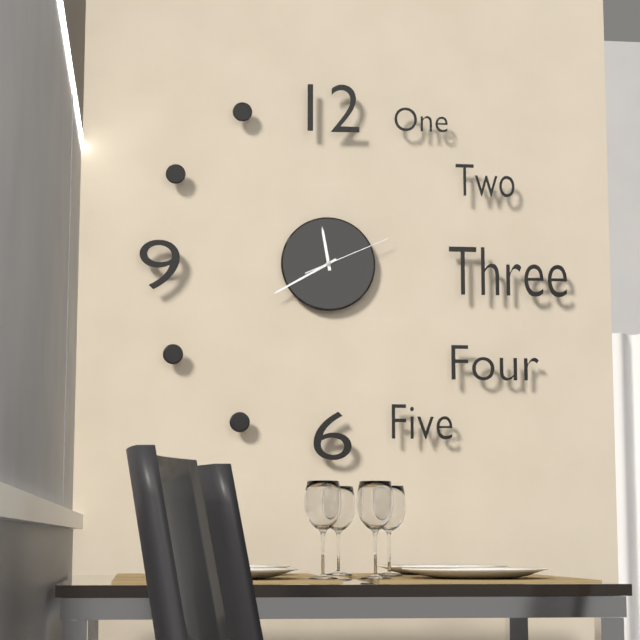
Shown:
11 h 40 min 11 s
